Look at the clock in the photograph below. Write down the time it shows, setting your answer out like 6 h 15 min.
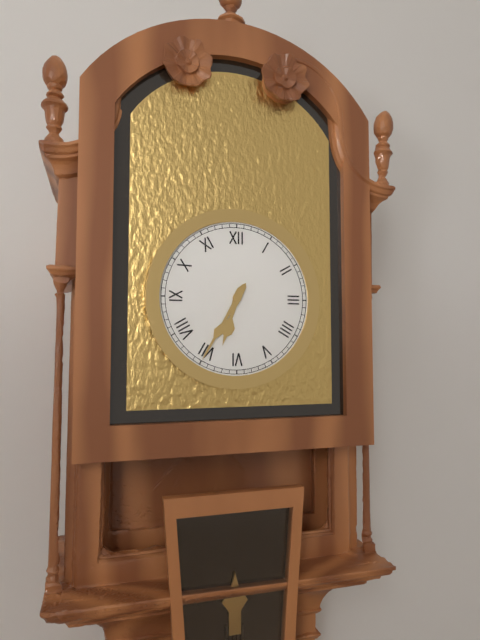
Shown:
6 h 35 min
